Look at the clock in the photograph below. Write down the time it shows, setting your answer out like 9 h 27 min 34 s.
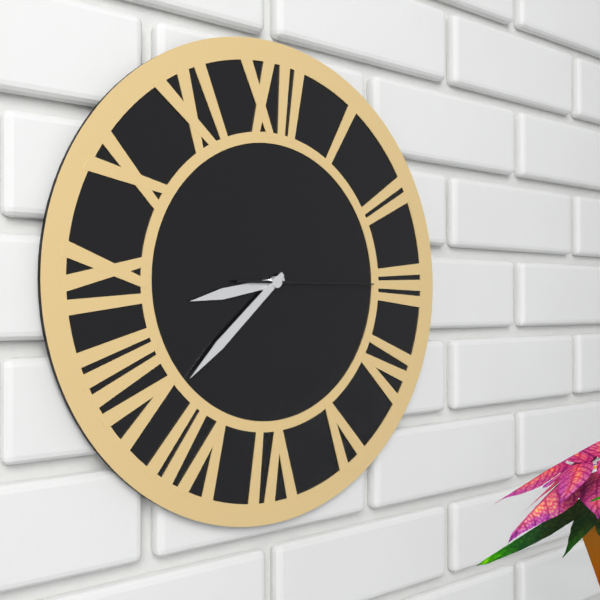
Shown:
8 h 38 min 15 s
